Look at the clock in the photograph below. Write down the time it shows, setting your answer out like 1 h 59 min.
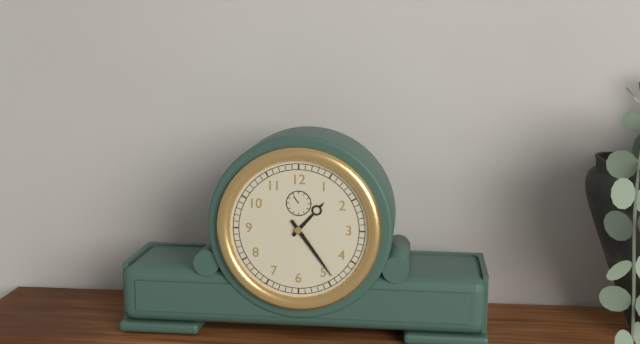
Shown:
1 h 24 min
